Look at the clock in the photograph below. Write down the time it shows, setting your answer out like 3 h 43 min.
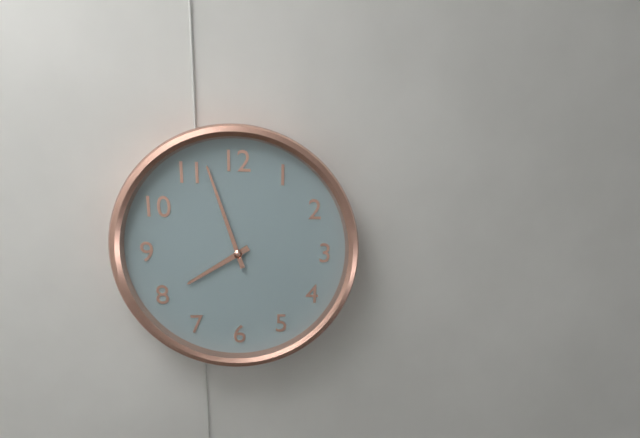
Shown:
7 h 57 min
